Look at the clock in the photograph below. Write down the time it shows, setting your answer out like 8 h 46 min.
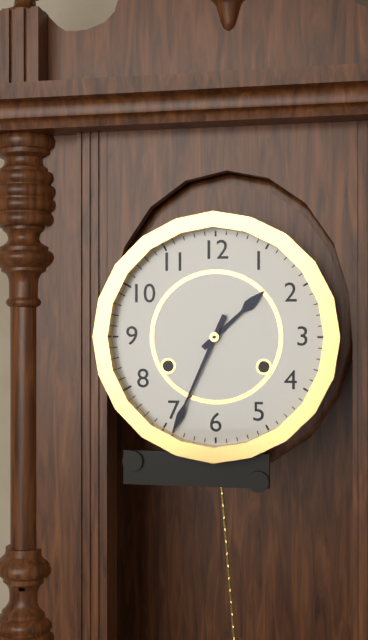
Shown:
1 h 34 min
